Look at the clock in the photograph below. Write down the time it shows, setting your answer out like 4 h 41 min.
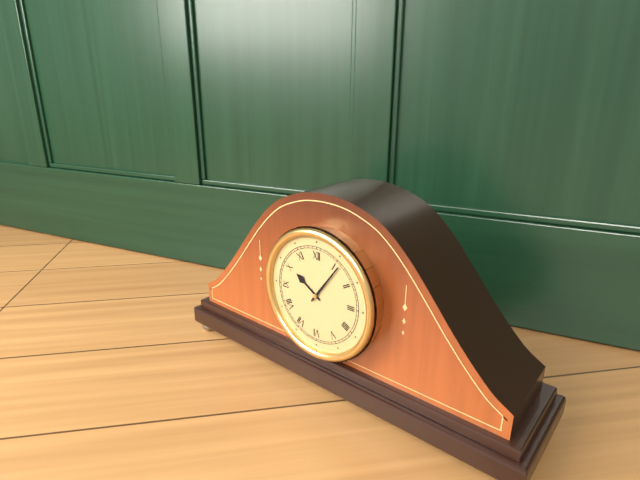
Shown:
10 h 06 min
